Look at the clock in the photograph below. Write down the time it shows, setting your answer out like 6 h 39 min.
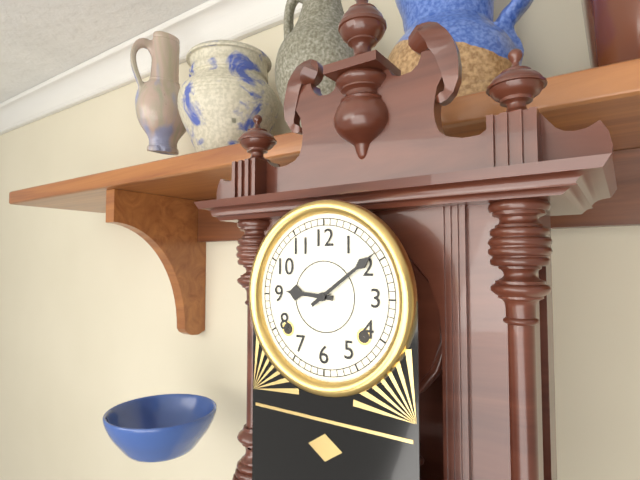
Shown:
9 h 09 min
